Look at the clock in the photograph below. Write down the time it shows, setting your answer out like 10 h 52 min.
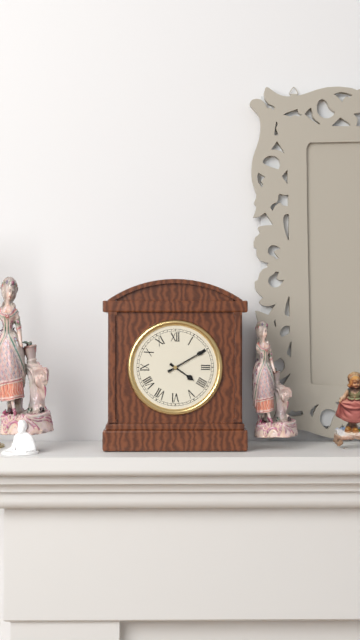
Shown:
4 h 10 min
